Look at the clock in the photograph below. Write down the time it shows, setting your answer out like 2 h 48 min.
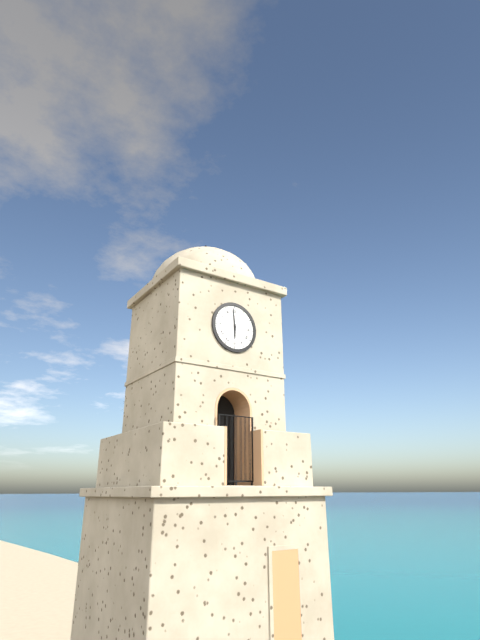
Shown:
5 h 59 min
